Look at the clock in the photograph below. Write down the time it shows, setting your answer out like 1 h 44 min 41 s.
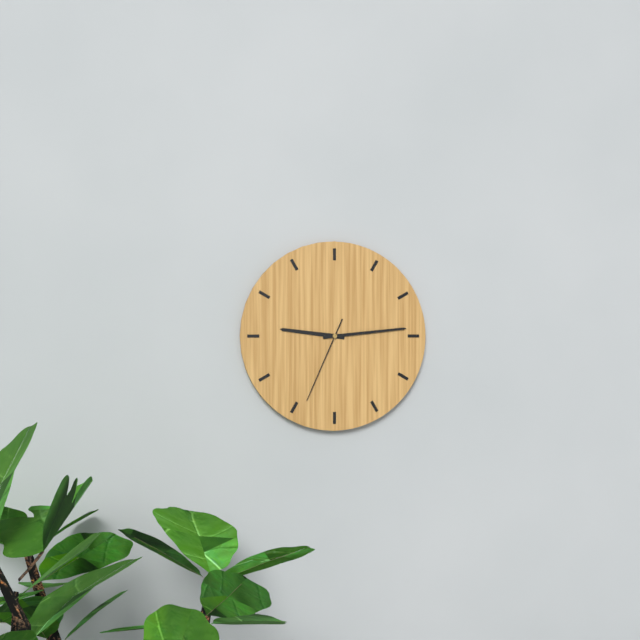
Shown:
9 h 14 min 34 s
